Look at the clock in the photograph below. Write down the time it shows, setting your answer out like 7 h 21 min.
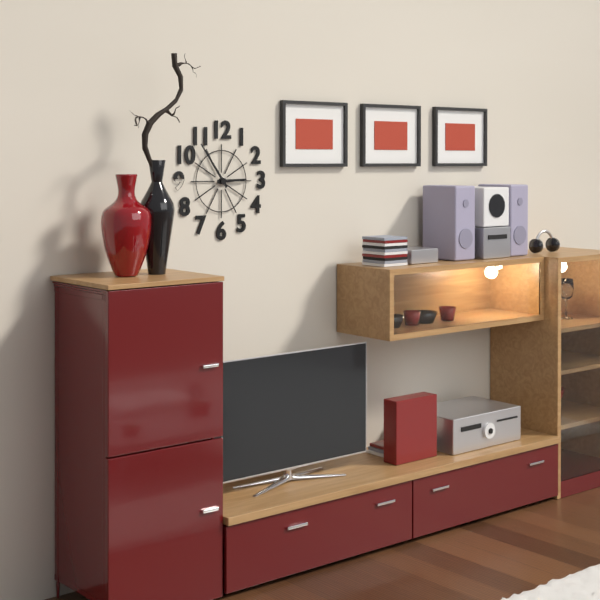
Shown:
2 h 54 min
